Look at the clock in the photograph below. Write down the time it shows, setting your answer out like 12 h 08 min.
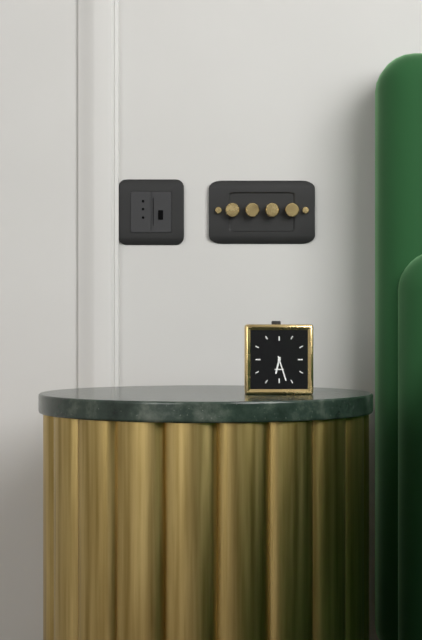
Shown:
6 h 27 min
